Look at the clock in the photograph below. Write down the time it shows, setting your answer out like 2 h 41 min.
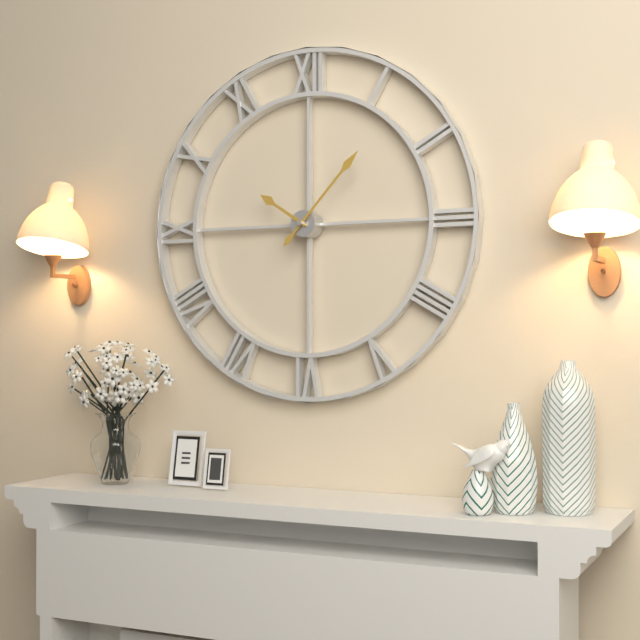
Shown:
10 h 07 min
